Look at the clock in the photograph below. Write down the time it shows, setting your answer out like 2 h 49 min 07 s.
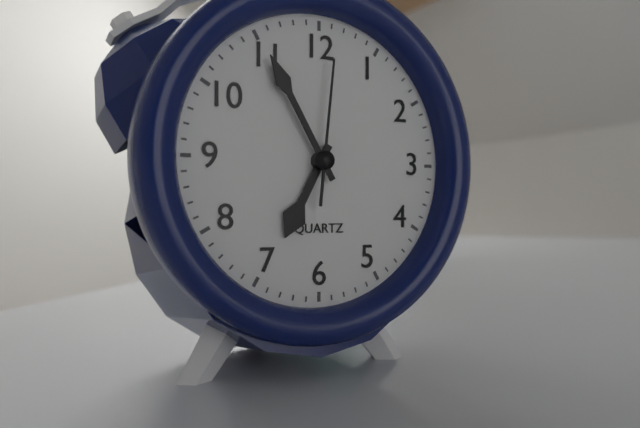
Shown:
6 h 55 min 01 s
